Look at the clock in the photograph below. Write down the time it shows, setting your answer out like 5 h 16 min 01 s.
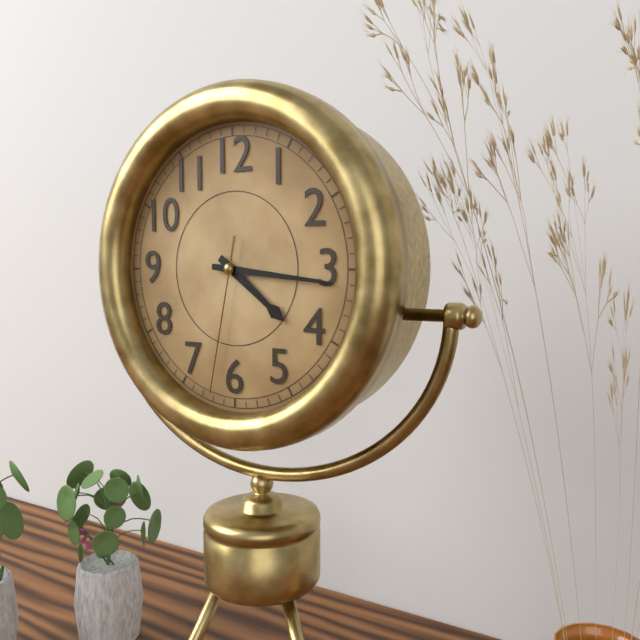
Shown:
4 h 16 min 32 s
